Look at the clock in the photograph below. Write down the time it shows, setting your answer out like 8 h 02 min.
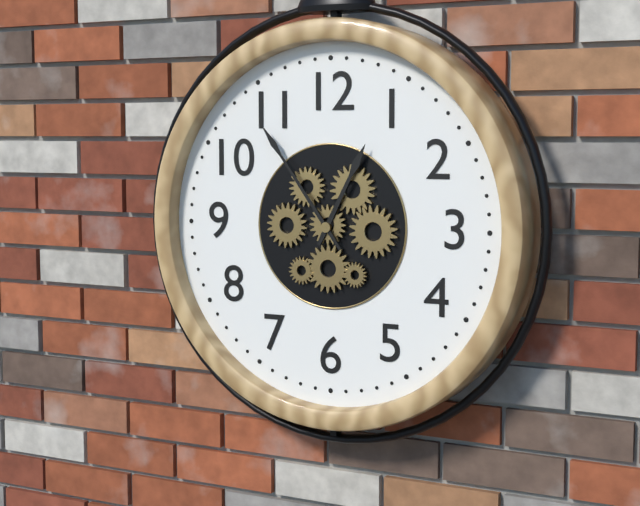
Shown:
12 h 54 min
